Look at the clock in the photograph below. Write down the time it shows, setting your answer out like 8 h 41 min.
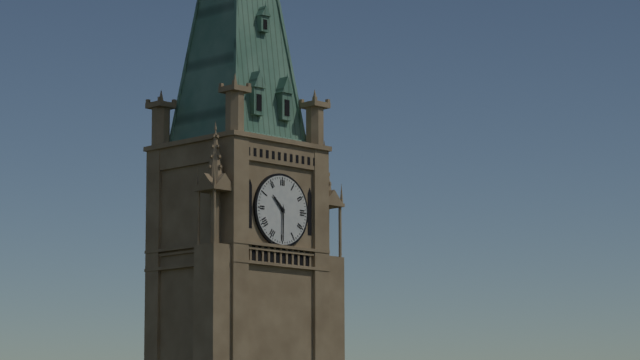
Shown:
10 h 30 min
